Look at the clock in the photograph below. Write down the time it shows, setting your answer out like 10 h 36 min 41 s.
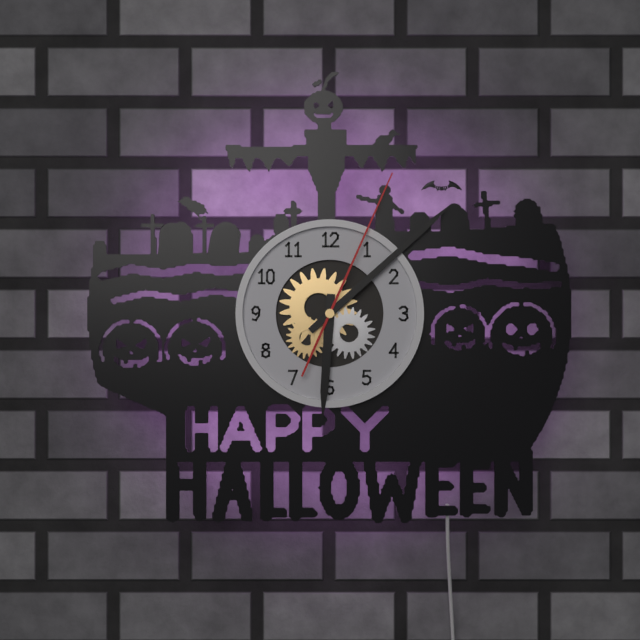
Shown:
6 h 08 min 04 s
